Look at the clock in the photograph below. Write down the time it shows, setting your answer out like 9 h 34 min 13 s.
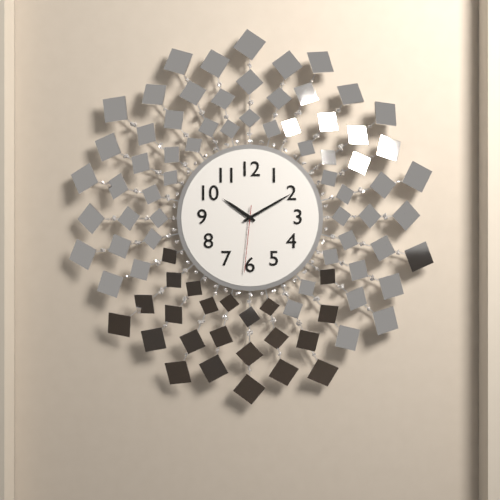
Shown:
10 h 10 min 31 s
